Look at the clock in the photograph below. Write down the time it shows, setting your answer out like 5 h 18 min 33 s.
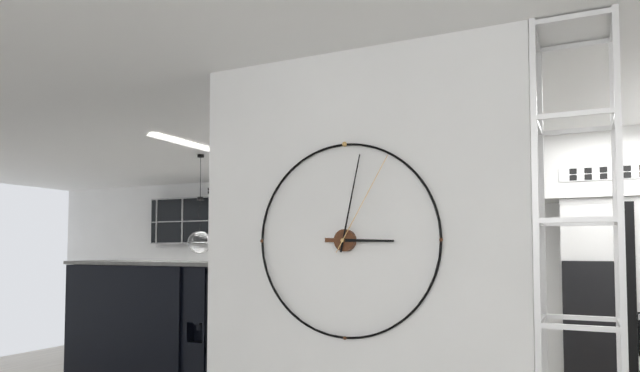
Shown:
3 h 02 min 05 s
